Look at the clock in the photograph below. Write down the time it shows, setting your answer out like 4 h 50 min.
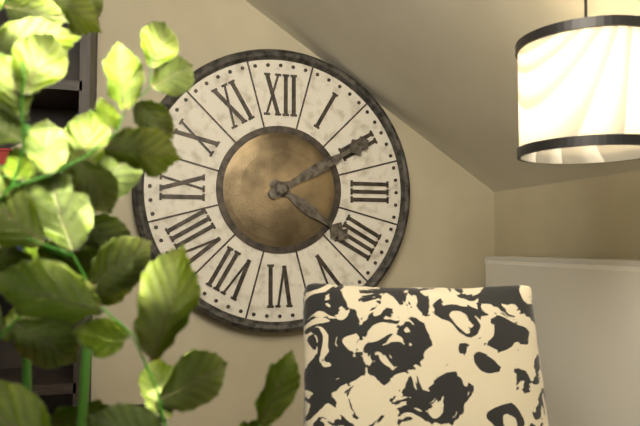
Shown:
4 h 10 min
